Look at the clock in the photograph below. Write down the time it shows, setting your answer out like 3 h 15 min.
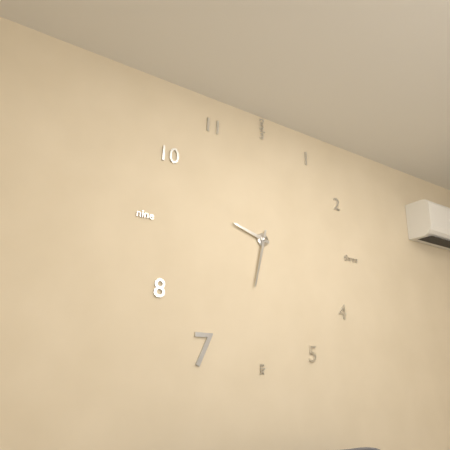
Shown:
9 h 32 min
